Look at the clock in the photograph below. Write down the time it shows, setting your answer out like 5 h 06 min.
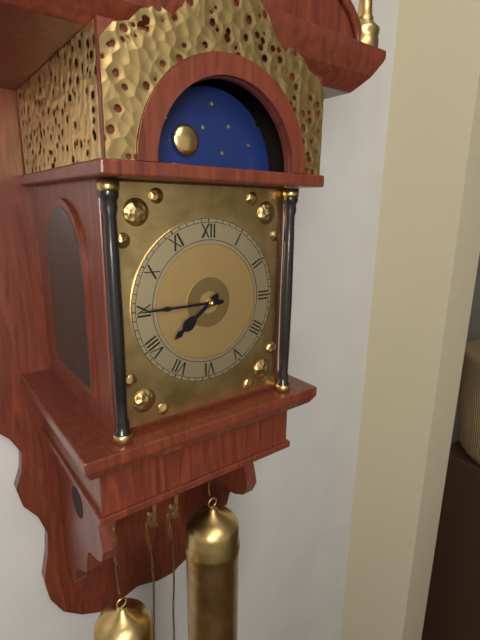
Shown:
7 h 45 min
